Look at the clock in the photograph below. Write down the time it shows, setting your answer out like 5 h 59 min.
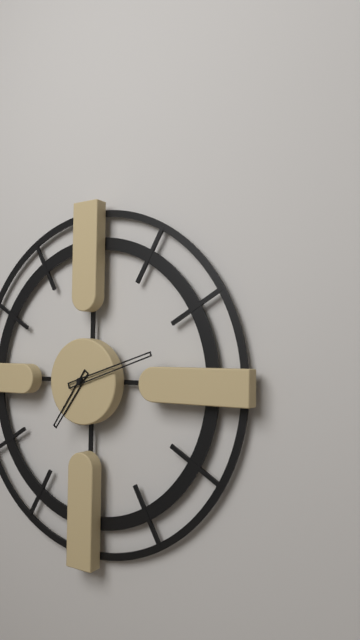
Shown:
7 h 12 min
